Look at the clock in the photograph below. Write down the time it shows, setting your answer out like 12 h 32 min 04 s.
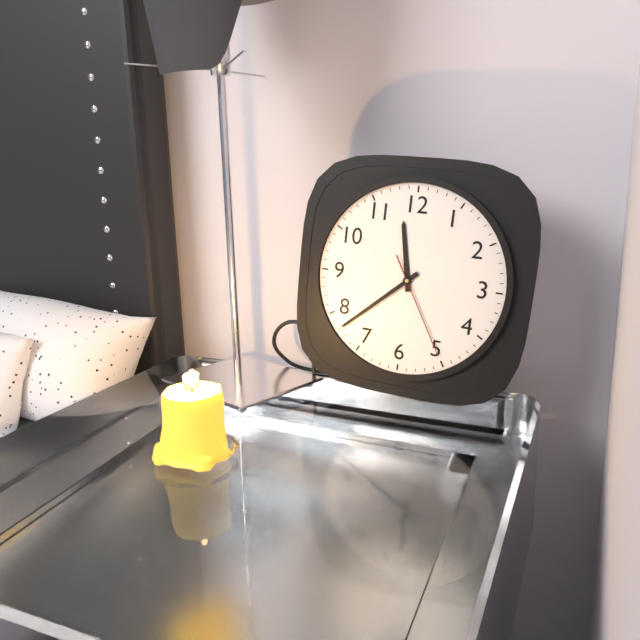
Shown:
11 h 38 min 25 s
